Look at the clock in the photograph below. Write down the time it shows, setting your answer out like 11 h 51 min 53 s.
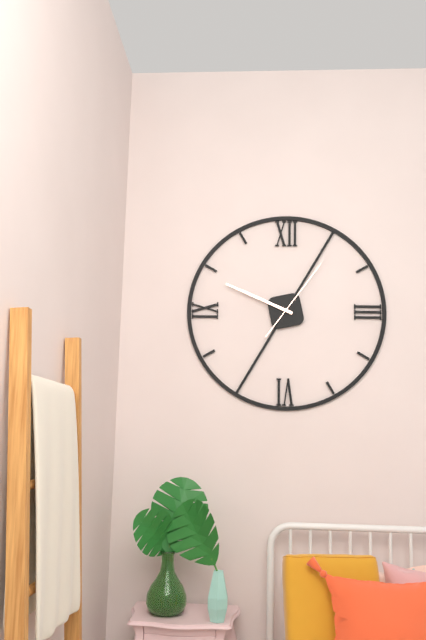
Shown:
9 h 49 min 06 s
